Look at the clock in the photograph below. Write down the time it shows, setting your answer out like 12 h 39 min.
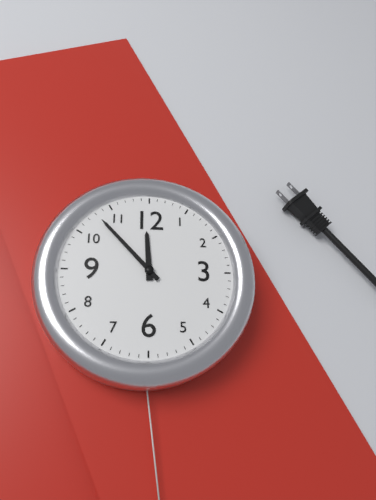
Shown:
11 h 53 min
